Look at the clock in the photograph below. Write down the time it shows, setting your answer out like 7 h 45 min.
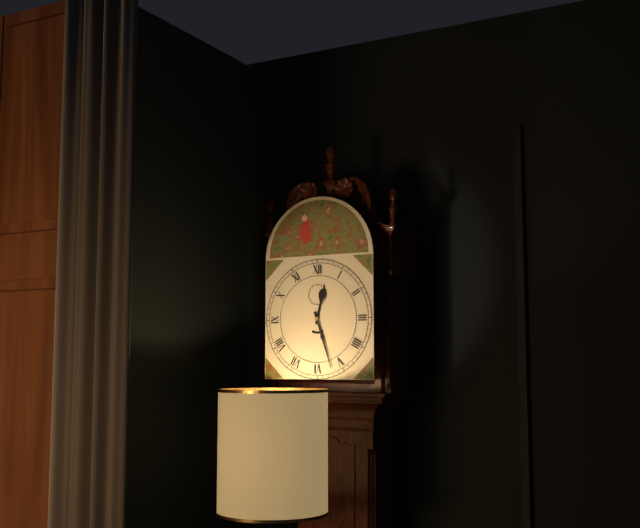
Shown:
12 h 27 min
